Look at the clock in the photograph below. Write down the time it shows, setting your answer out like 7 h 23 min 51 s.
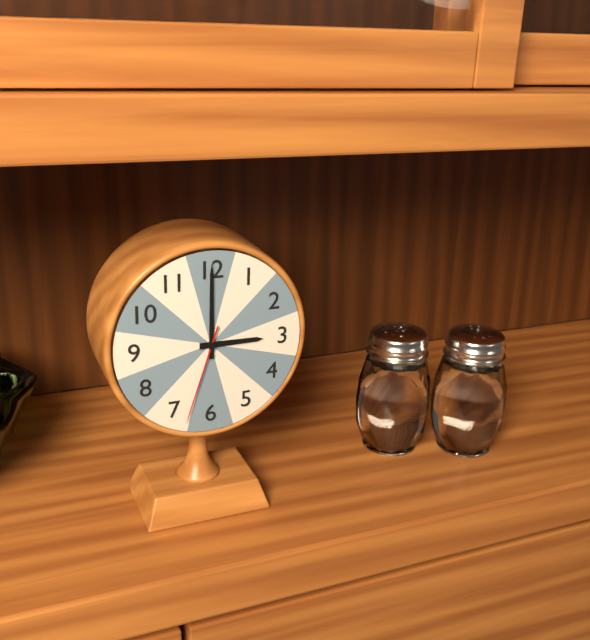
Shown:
3 h 00 min 33 s
